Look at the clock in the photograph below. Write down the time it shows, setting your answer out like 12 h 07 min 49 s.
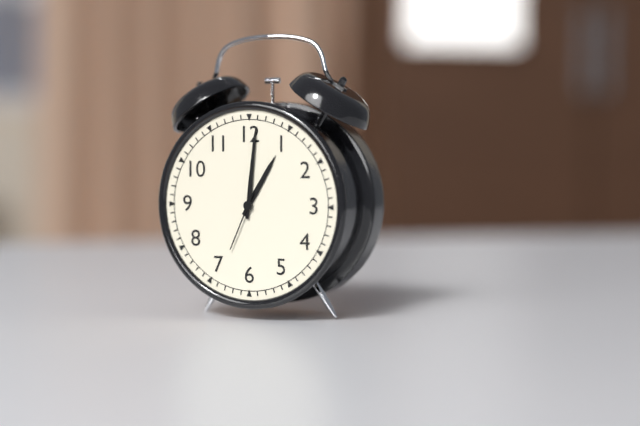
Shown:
1 h 01 min 34 s
